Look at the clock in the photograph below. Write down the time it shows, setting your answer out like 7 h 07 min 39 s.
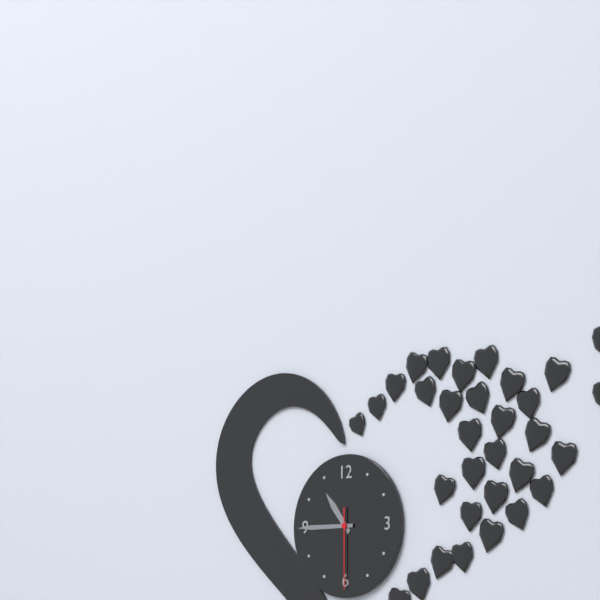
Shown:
10 h 45 min 30 s
